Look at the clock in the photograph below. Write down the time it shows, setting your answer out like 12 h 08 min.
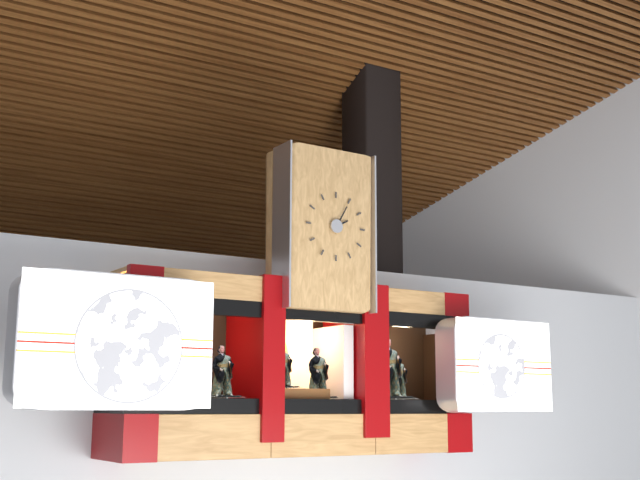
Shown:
2 h 05 min
